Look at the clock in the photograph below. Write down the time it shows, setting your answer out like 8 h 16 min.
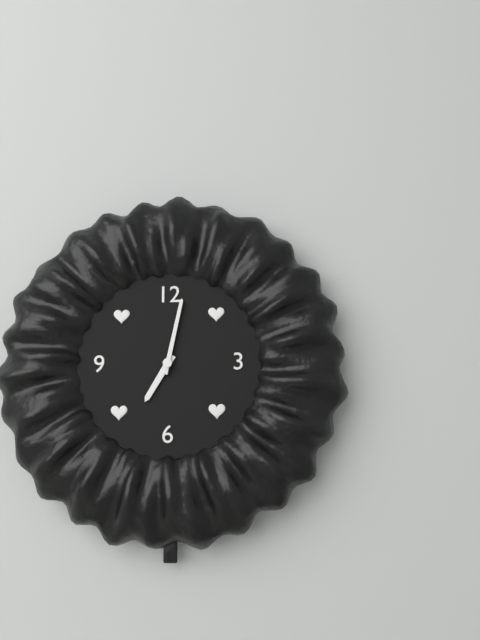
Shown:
7 h 02 min
